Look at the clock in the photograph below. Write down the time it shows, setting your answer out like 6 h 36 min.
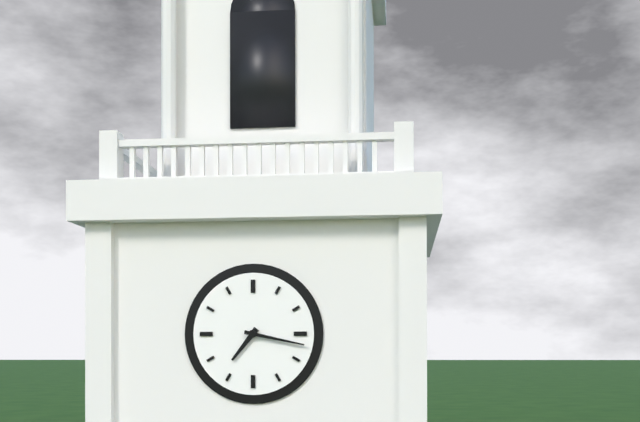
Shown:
7 h 17 min
